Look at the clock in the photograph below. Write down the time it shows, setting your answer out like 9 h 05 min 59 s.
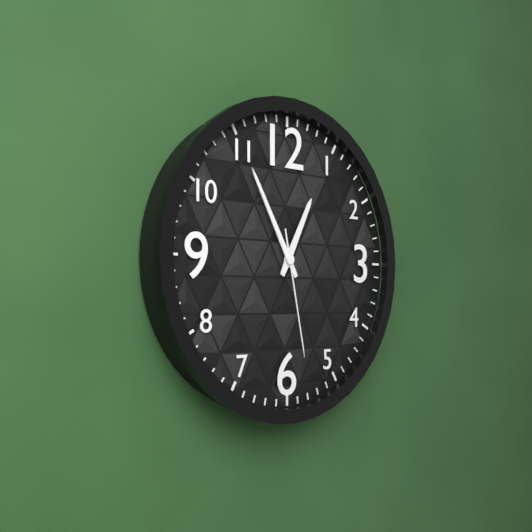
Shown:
12 h 55 min 28 s
